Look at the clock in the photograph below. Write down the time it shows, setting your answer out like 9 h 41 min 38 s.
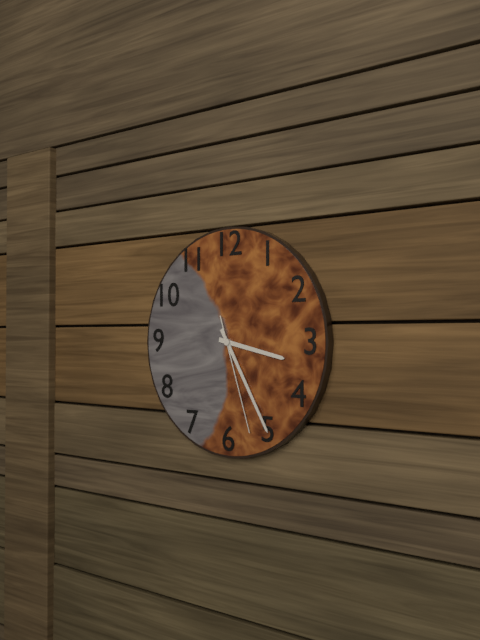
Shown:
3 h 25 min 27 s
